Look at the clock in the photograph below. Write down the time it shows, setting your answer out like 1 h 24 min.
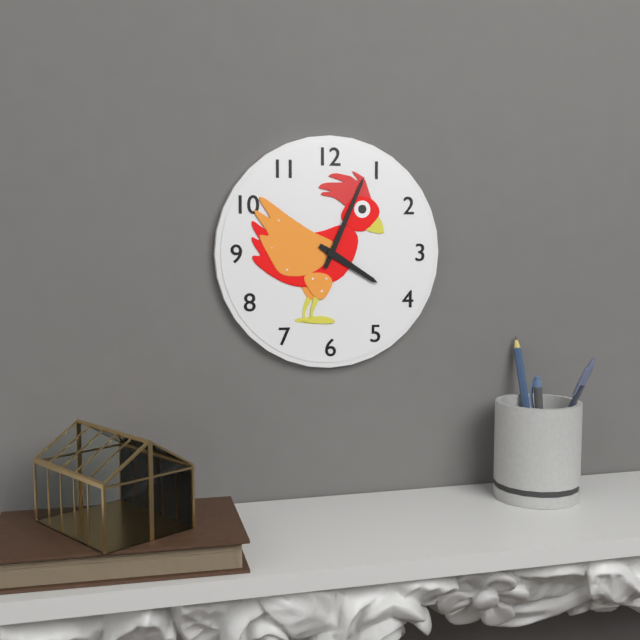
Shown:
4 h 04 min
